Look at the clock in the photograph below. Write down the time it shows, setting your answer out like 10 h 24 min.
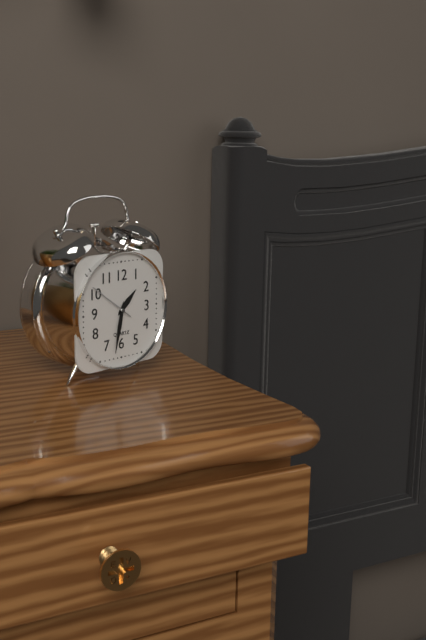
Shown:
1 h 32 min
